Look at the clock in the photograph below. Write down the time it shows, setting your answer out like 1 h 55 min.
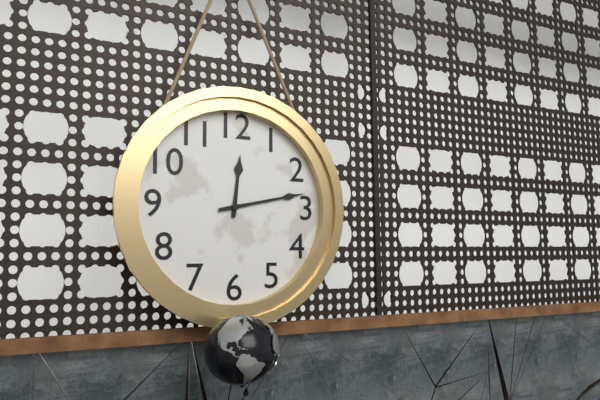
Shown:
12 h 13 min
